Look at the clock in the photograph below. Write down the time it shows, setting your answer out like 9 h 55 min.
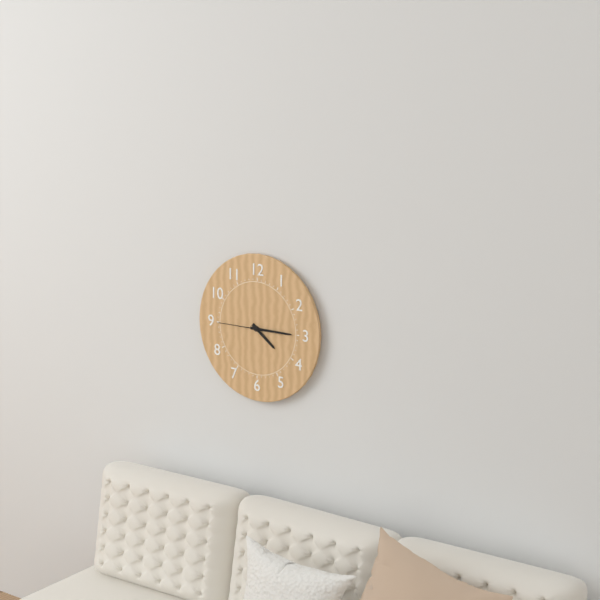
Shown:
4 h 15 min
